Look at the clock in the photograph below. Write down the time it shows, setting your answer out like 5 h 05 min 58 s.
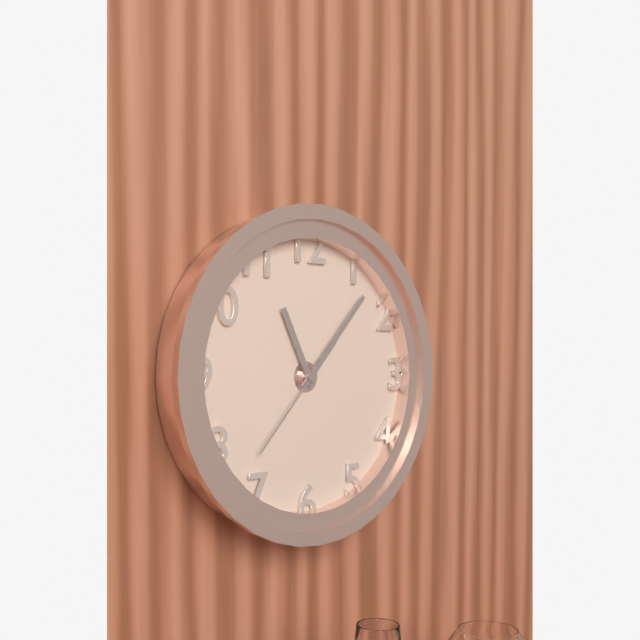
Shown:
11 h 07 min 37 s
